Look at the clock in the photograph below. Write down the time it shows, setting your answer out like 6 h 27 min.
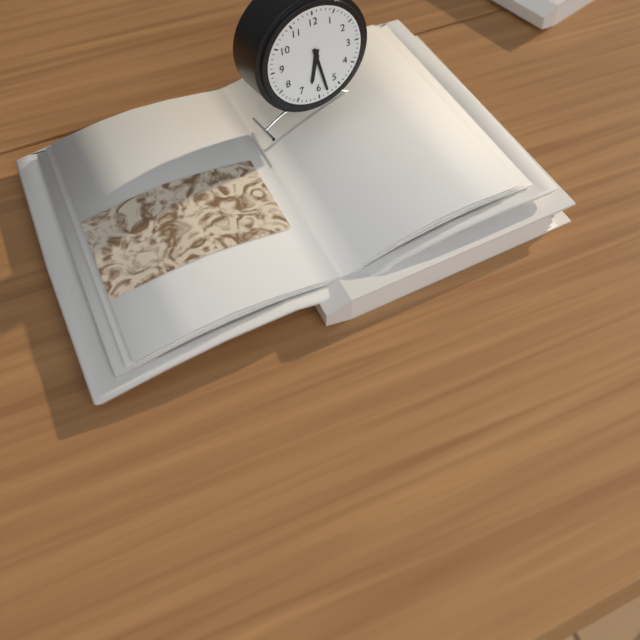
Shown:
6 h 28 min
